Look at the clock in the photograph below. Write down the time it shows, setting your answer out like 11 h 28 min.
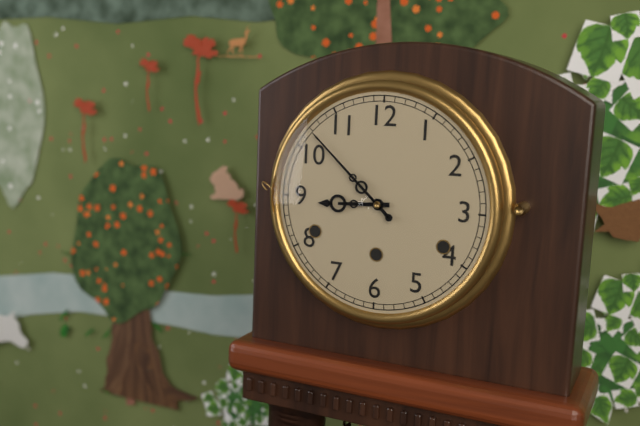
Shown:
8 h 52 min
